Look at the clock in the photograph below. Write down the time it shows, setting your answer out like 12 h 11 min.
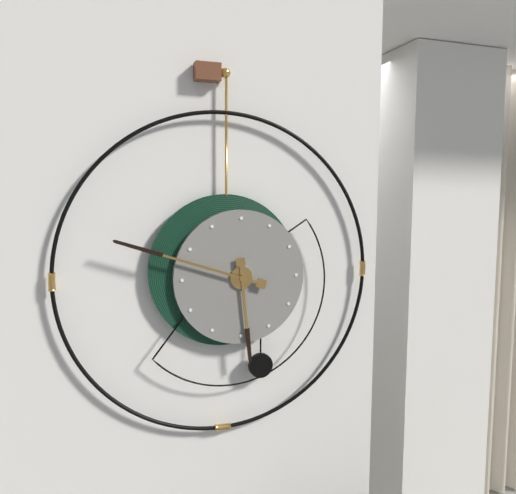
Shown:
5 h 48 min
